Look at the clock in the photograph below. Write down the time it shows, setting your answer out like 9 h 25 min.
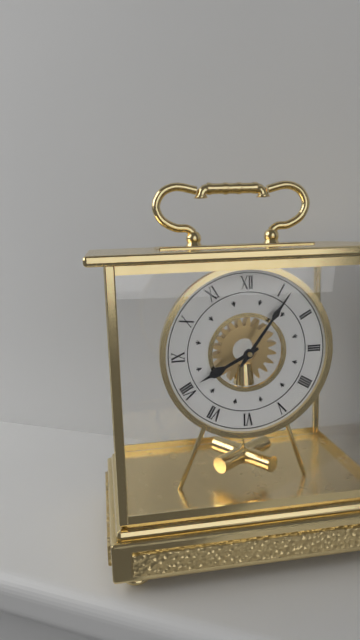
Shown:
8 h 06 min
